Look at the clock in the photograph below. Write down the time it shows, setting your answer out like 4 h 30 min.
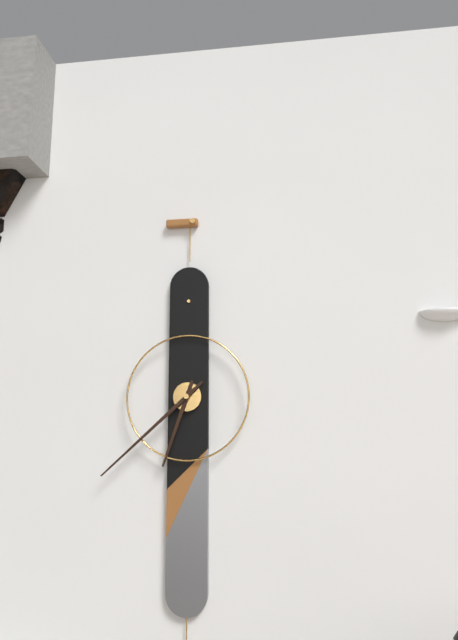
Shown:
6 h 38 min
